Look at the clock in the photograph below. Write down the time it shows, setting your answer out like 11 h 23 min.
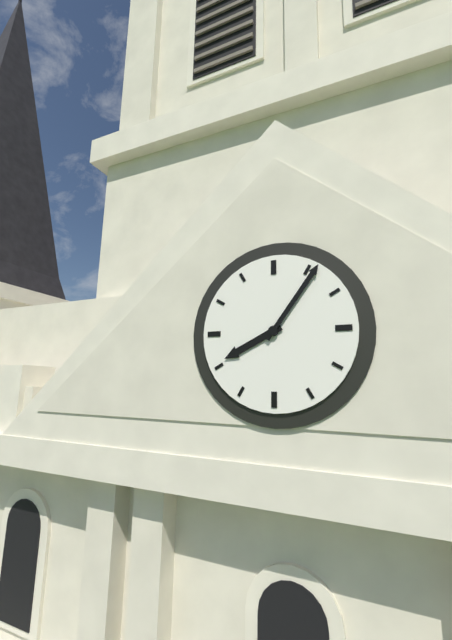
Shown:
8 h 06 min
